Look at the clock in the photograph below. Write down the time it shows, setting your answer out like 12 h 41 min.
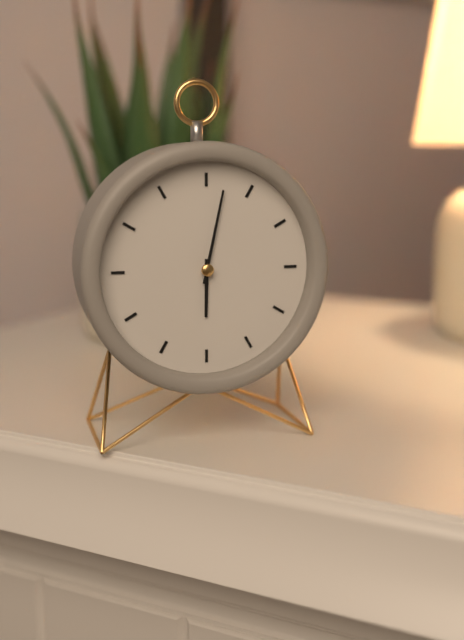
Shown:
6 h 02 min
